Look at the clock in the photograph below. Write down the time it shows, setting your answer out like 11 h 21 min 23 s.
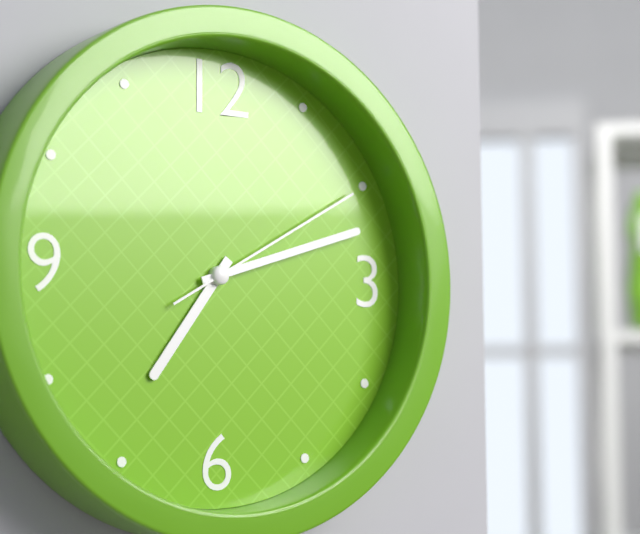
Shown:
7 h 12 min 10 s
